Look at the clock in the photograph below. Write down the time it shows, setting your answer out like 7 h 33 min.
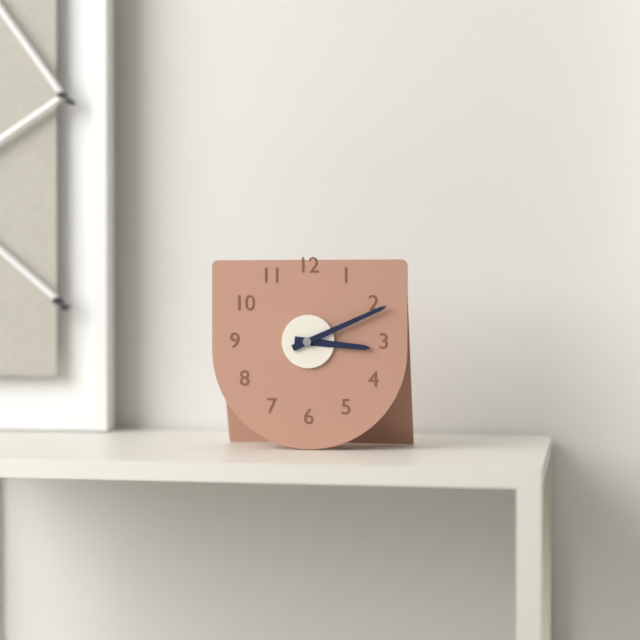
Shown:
3 h 11 min
